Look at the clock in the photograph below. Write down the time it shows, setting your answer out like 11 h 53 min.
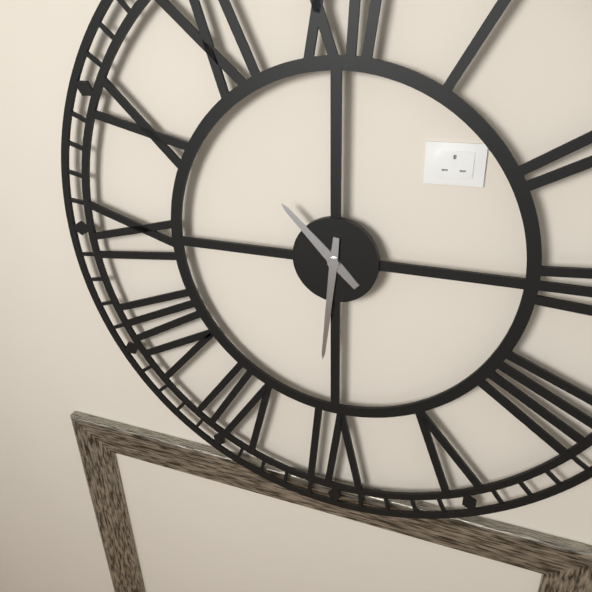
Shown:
10 h 31 min
